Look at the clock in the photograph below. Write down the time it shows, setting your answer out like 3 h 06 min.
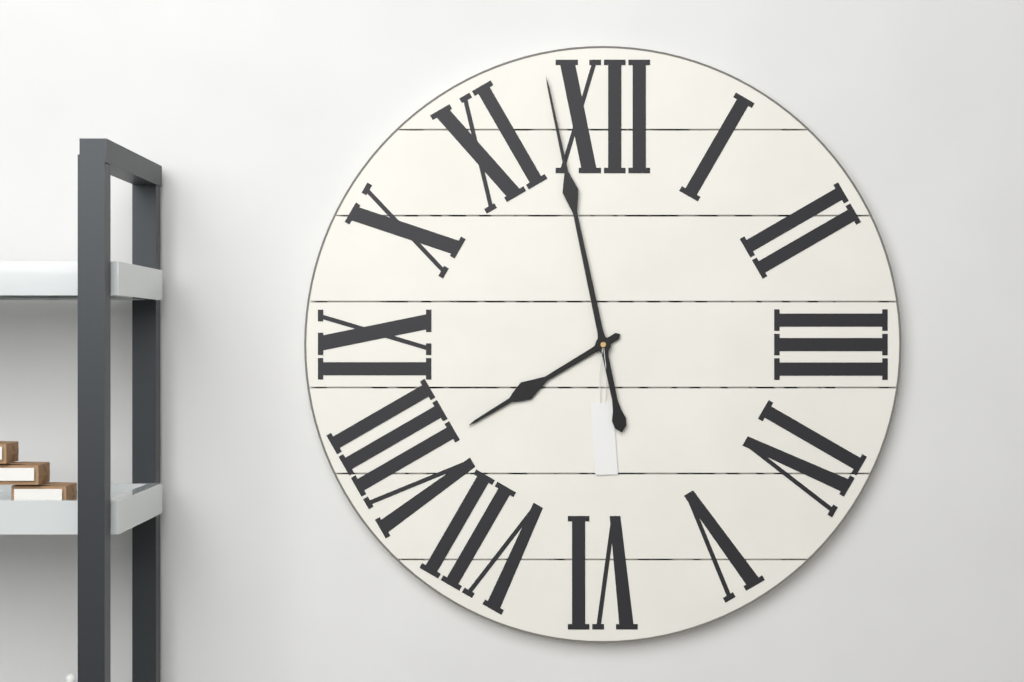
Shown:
7 h 58 min
